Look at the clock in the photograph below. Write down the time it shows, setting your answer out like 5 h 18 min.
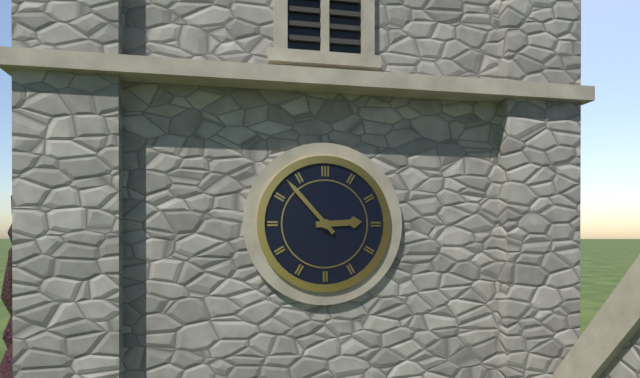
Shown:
2 h 53 min
